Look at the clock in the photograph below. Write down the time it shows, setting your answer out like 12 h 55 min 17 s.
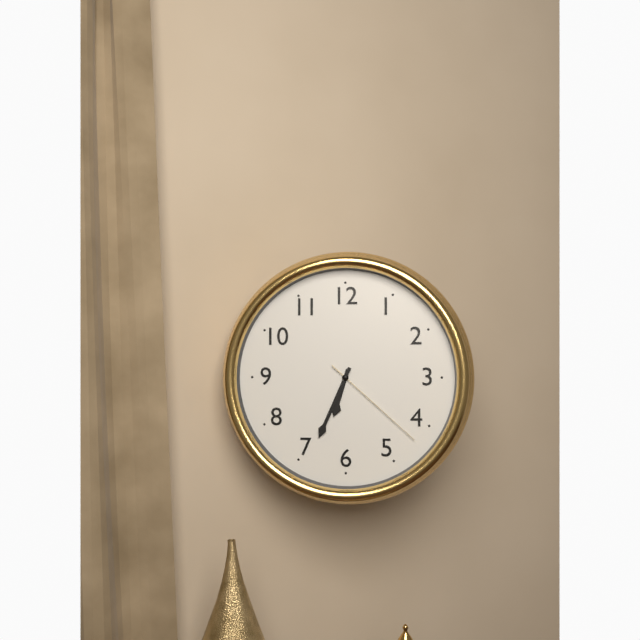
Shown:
6 h 34 min 22 s
